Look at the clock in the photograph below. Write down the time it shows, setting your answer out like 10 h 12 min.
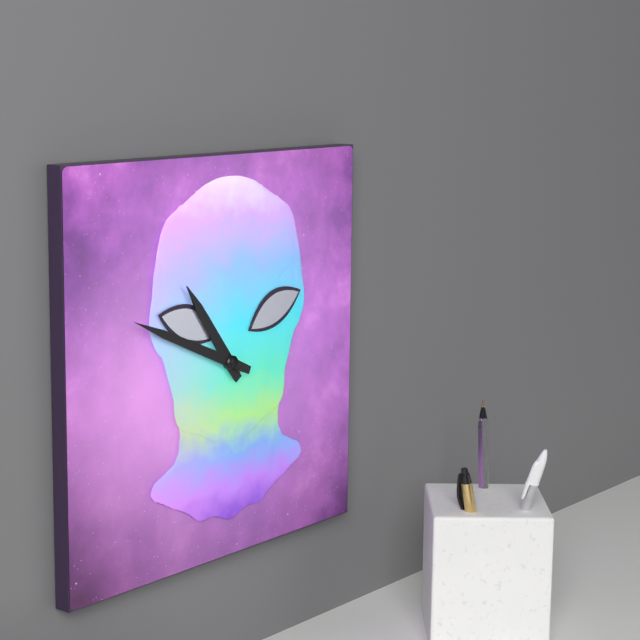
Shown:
10 h 49 min
